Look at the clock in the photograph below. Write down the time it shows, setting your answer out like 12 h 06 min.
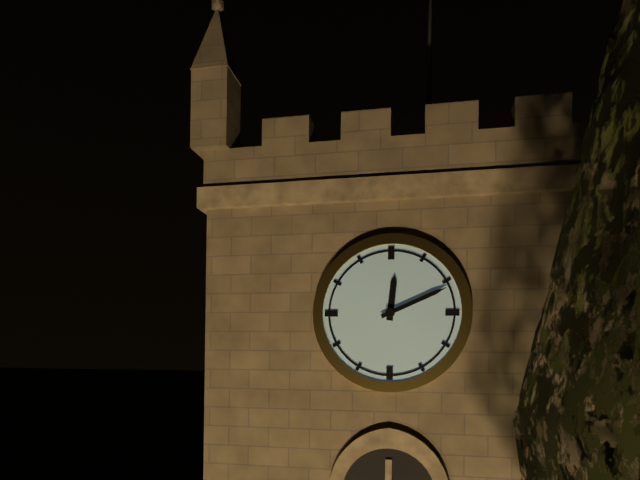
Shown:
12 h 11 min
